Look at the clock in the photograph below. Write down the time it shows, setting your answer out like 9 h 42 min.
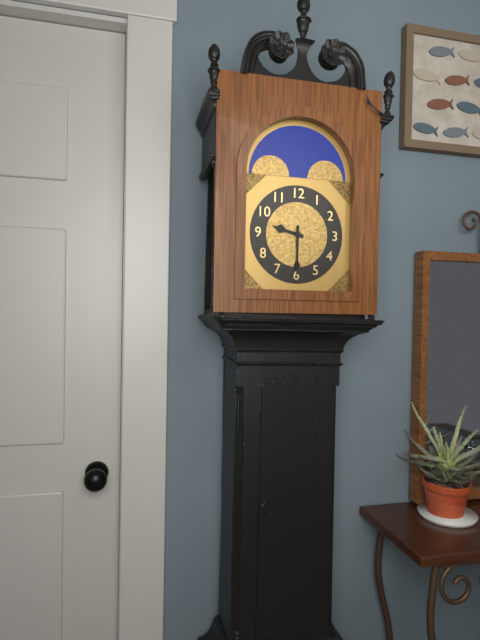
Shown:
9 h 30 min
